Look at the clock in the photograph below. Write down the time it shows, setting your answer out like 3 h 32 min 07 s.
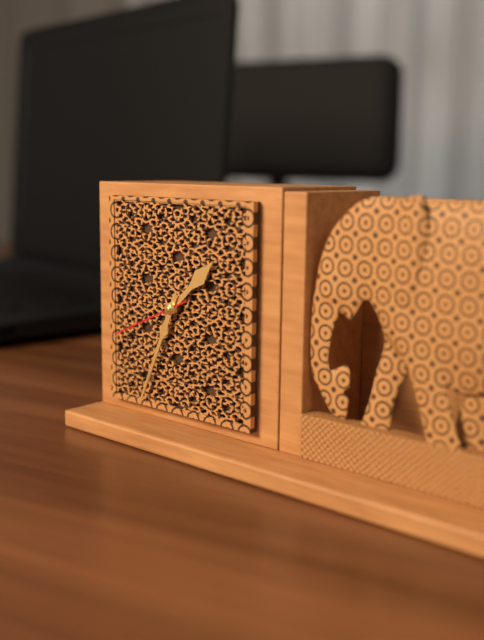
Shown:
1 h 34 min 41 s
